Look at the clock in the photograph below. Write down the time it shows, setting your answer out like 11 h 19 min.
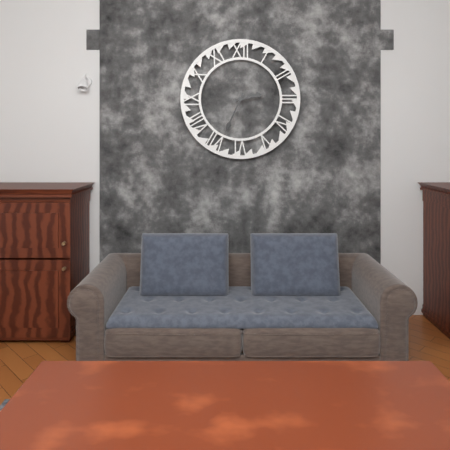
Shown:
2 h 34 min
